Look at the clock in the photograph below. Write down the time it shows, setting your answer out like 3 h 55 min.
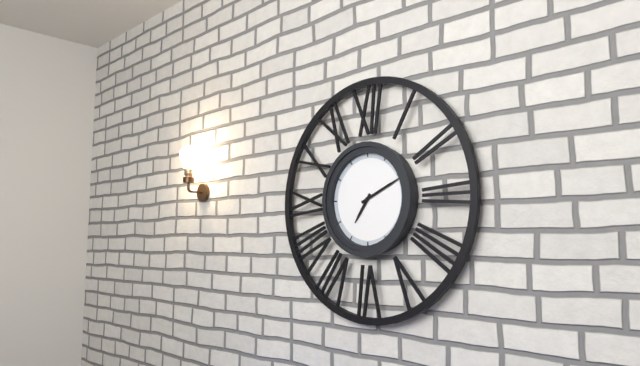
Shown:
7 h 11 min
